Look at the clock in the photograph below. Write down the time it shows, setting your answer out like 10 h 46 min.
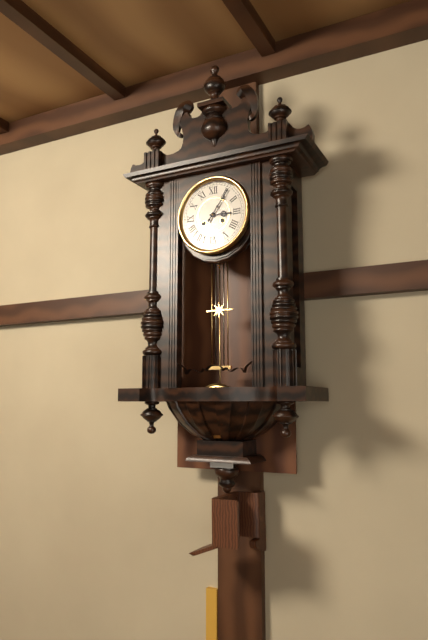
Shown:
3 h 06 min
